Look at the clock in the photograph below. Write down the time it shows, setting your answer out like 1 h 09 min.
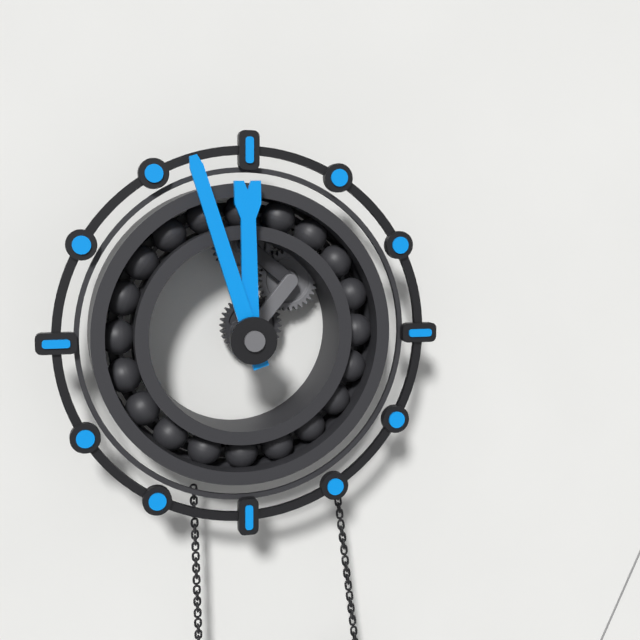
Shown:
11 h 57 min
